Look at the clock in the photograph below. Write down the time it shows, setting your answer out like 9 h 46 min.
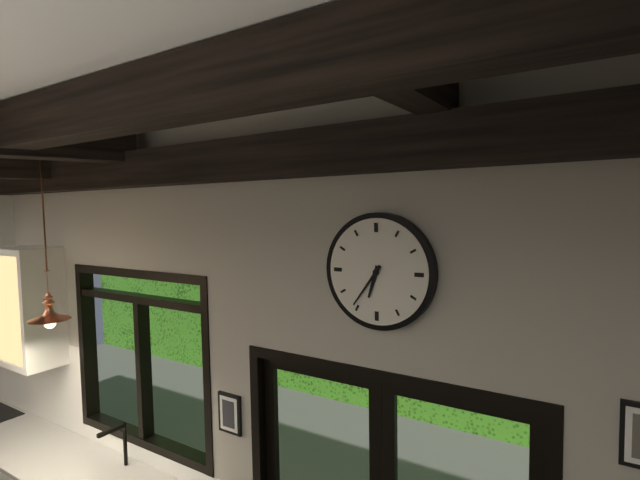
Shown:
6 h 36 min
